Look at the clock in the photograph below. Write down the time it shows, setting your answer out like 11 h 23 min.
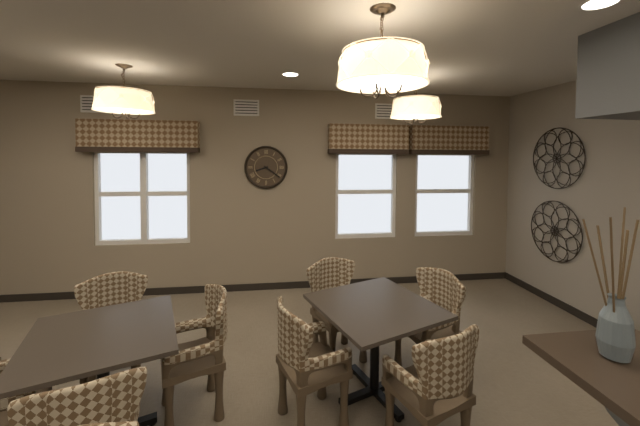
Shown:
8 h 21 min
